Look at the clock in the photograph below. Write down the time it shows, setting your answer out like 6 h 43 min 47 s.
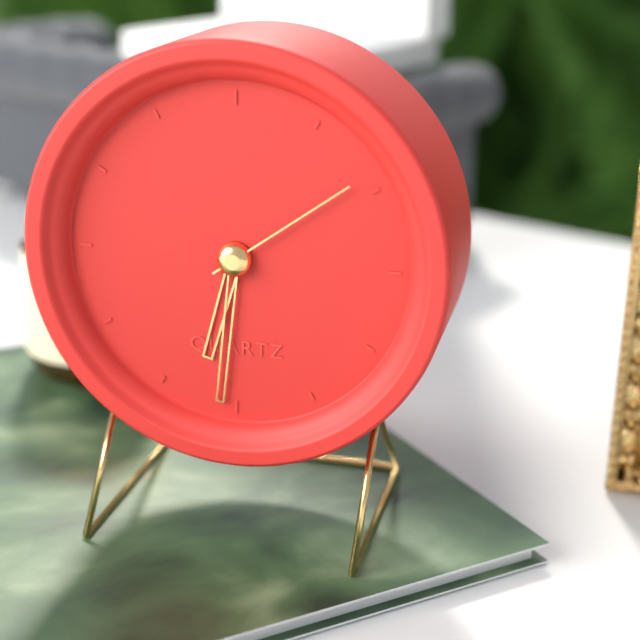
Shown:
6 h 31 min 09 s
